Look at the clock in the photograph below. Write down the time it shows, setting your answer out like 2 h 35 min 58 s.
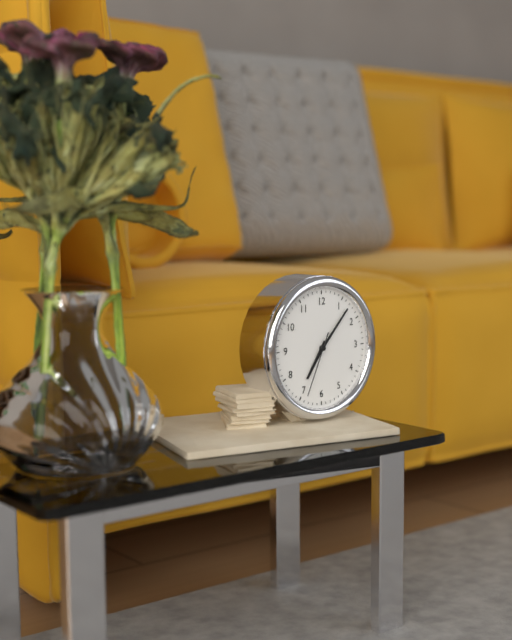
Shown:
7 h 07 min 34 s
